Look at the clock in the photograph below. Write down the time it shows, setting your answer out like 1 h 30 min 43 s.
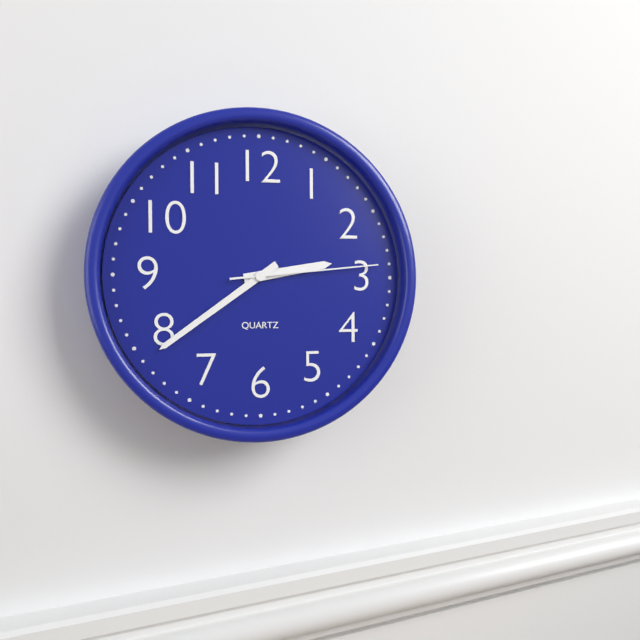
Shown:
2 h 39 min 14 s
